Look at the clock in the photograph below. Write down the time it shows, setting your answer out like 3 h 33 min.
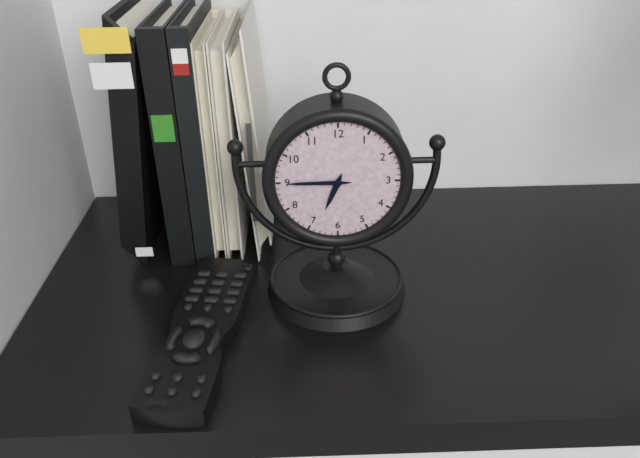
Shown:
6 h 45 min
